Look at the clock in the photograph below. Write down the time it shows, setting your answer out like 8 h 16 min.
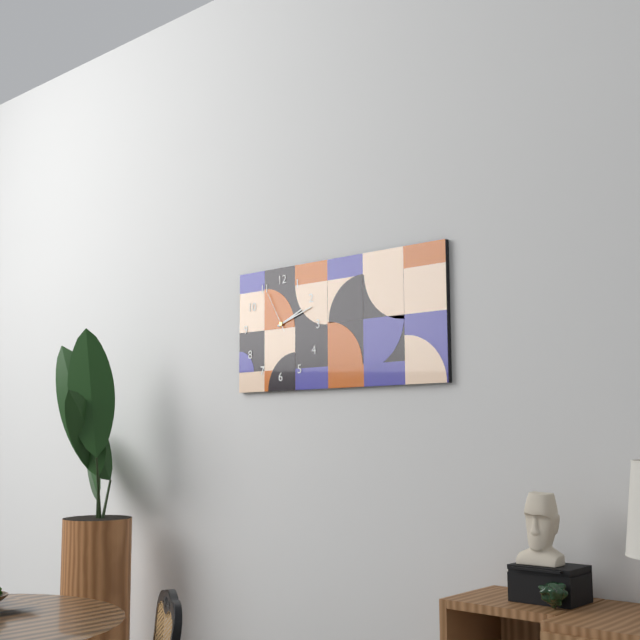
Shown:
2 h 12 min
